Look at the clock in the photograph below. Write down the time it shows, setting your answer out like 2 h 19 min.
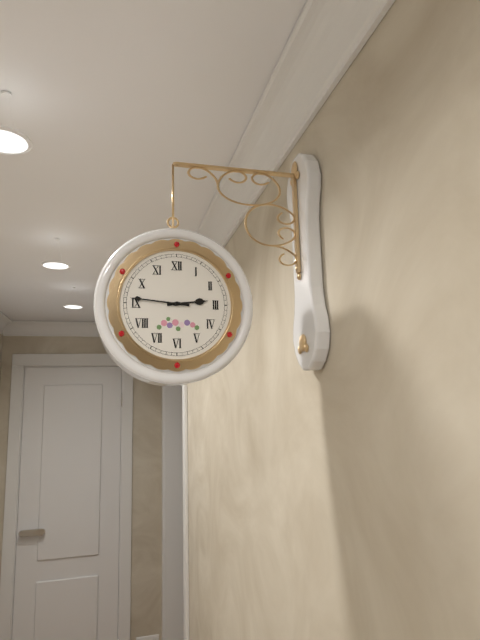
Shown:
2 h 46 min
